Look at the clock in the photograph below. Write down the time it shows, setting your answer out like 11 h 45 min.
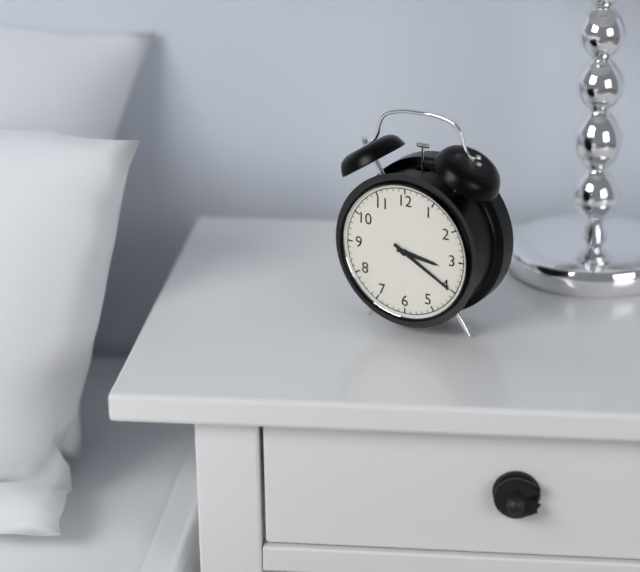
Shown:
3 h 20 min
